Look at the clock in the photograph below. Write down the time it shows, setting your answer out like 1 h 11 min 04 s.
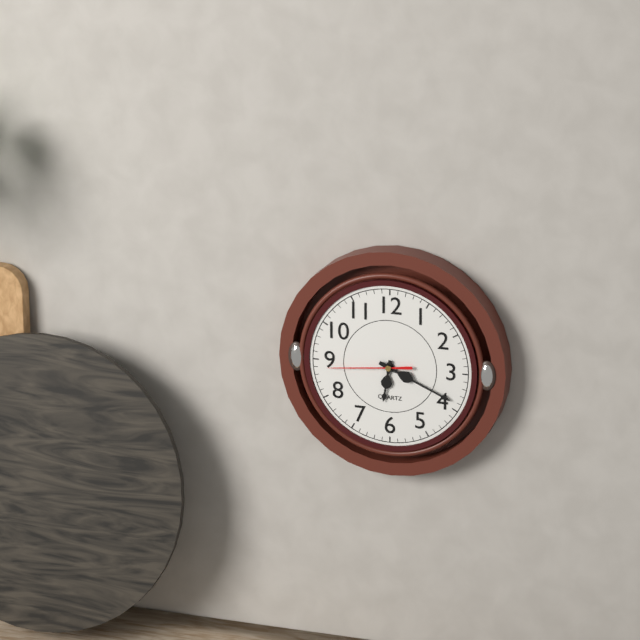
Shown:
6 h 19 min 44 s
